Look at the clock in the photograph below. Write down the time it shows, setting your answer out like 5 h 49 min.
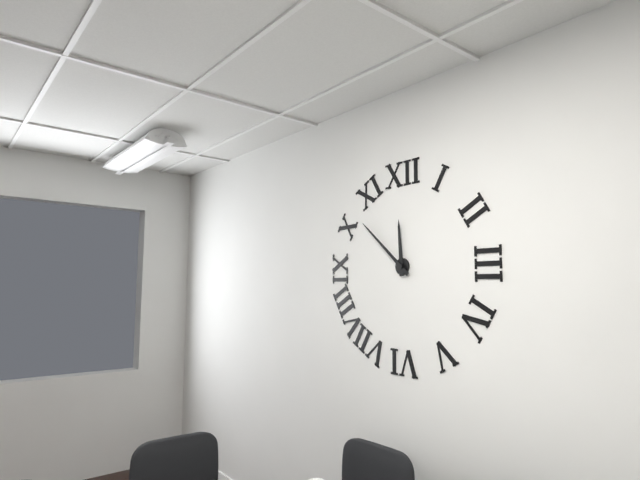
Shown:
11 h 52 min
